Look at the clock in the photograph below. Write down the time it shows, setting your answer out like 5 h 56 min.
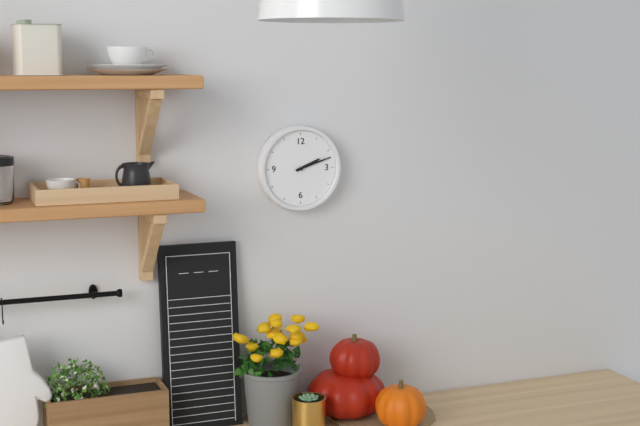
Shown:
2 h 12 min
